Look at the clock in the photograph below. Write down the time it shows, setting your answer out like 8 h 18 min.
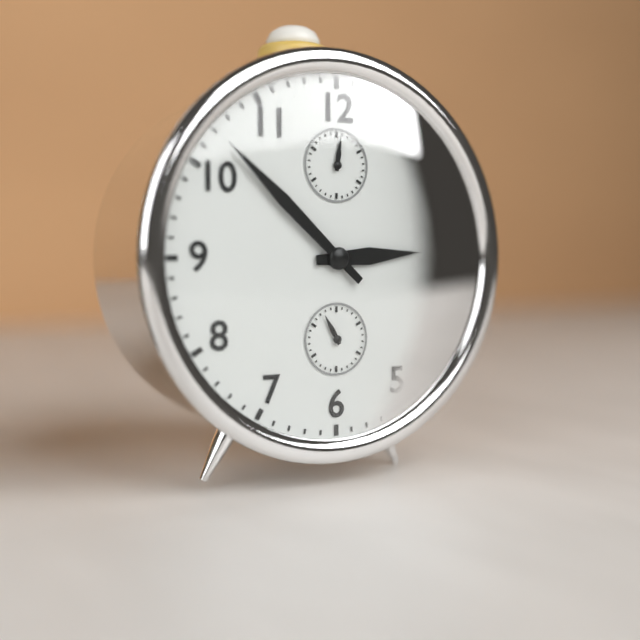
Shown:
2 h 52 min
